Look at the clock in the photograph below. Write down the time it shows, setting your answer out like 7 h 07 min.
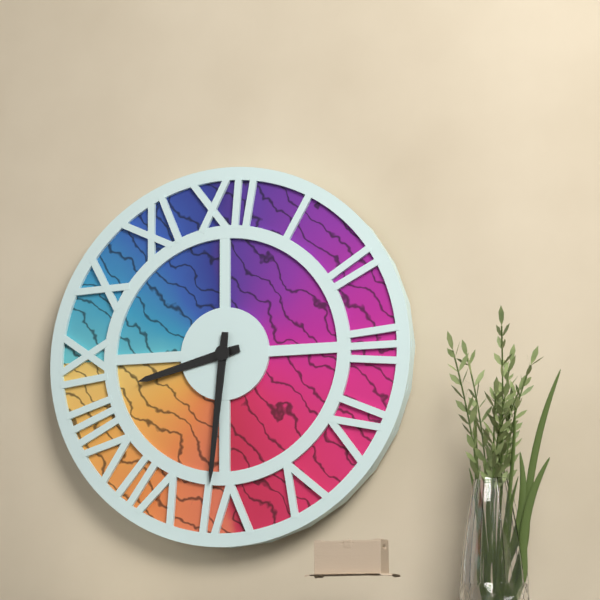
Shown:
8 h 31 min
